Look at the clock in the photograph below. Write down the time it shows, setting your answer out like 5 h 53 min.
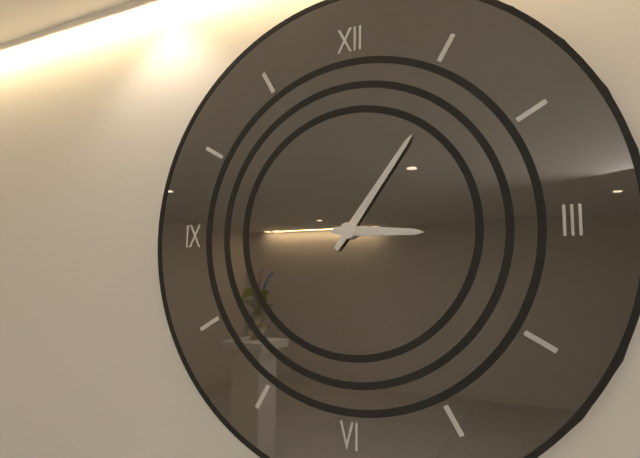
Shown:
3 h 06 min
